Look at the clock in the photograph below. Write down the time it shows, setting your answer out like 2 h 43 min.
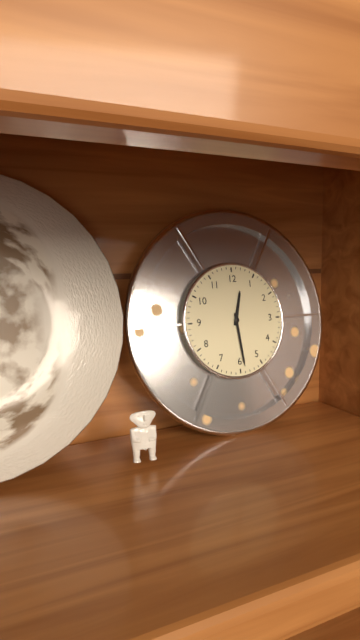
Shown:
12 h 29 min
